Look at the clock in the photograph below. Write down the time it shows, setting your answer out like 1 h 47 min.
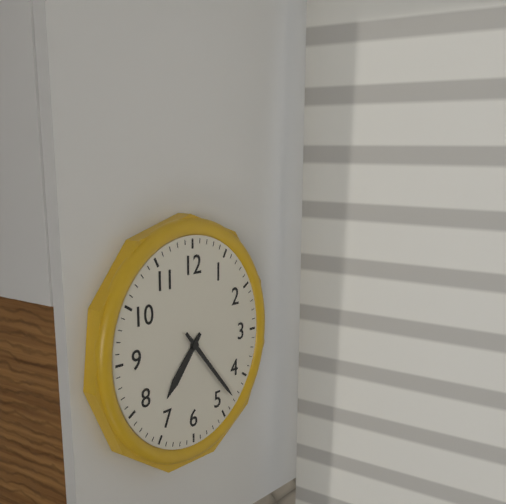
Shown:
7 h 23 min
